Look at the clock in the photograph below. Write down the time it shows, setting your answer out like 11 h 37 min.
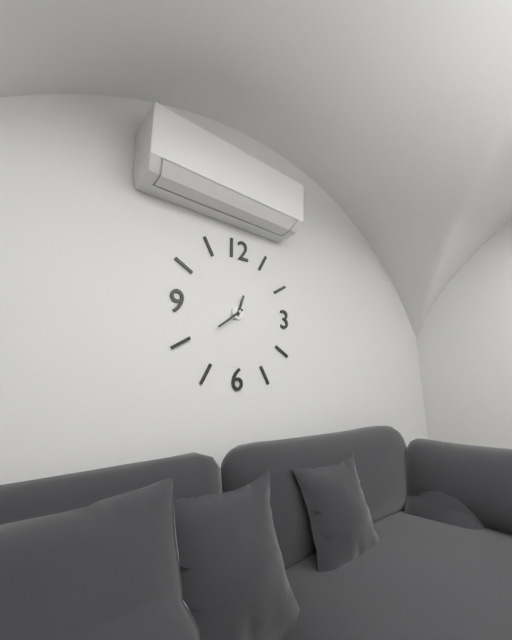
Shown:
12 h 39 min
